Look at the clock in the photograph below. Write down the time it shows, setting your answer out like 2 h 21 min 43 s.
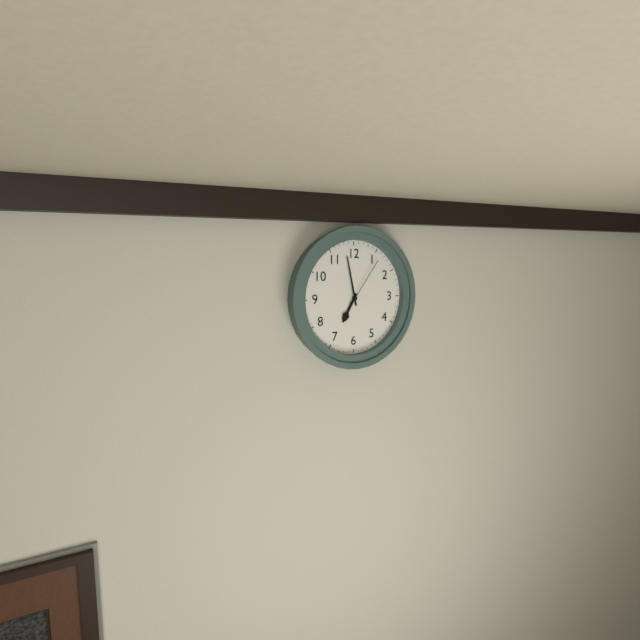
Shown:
6 h 58 min 06 s
